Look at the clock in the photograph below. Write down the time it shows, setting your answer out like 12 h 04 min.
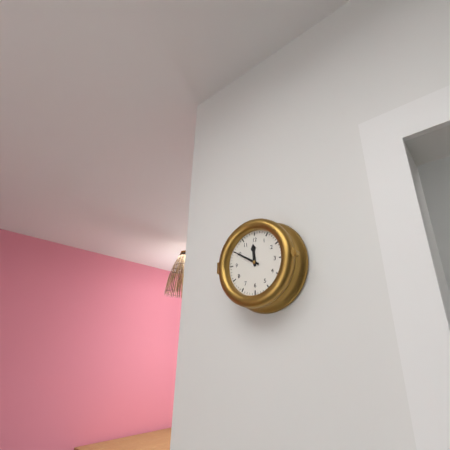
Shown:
11 h 50 min
